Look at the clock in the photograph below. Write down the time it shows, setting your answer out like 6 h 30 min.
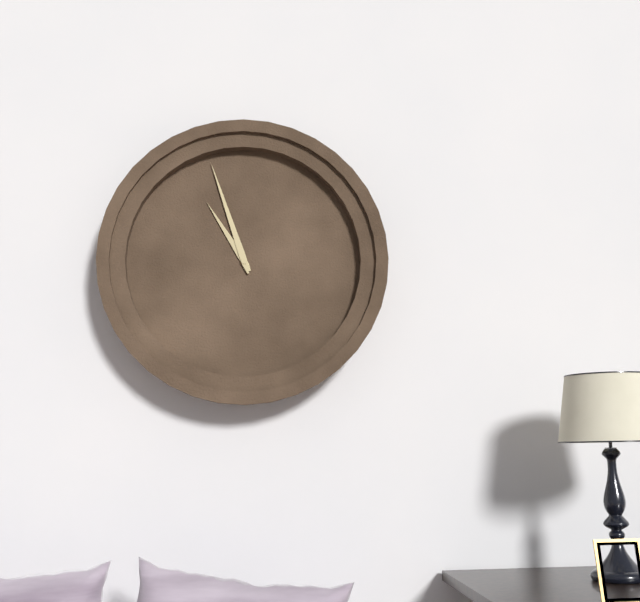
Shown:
10 h 57 min
